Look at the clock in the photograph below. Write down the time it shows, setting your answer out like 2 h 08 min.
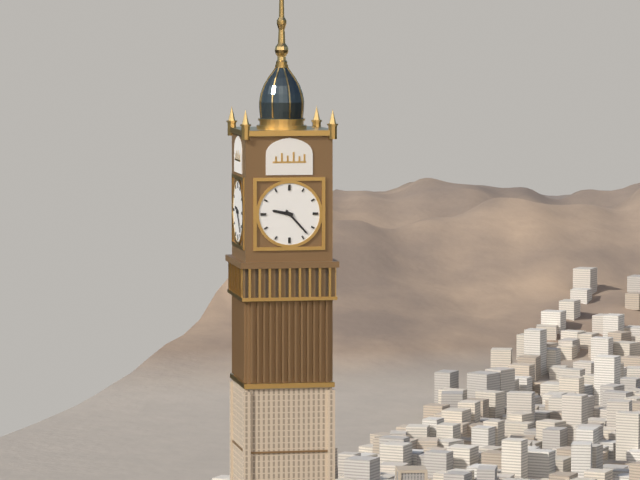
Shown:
9 h 23 min
